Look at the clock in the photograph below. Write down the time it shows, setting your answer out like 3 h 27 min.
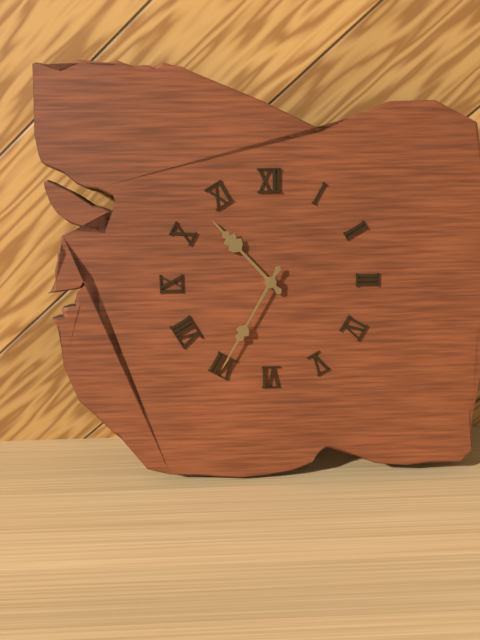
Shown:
10 h 35 min
